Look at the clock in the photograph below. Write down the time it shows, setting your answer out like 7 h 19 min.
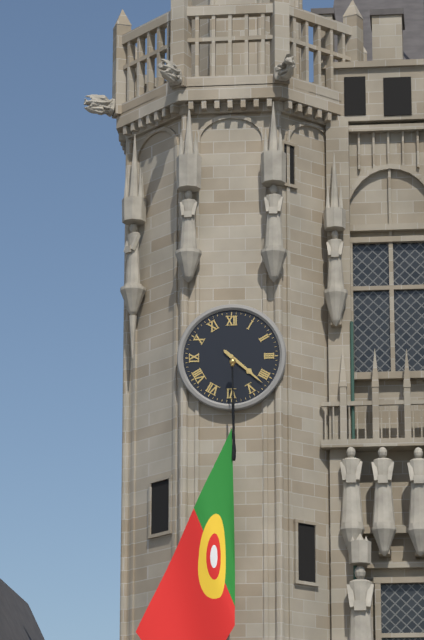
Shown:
4 h 22 min
